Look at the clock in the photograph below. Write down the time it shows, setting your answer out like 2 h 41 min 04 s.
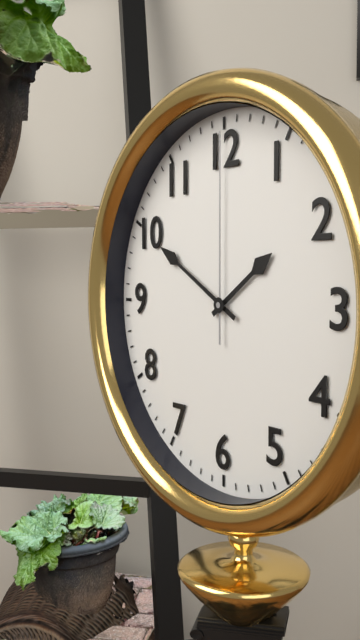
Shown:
1 h 50 min 00 s
